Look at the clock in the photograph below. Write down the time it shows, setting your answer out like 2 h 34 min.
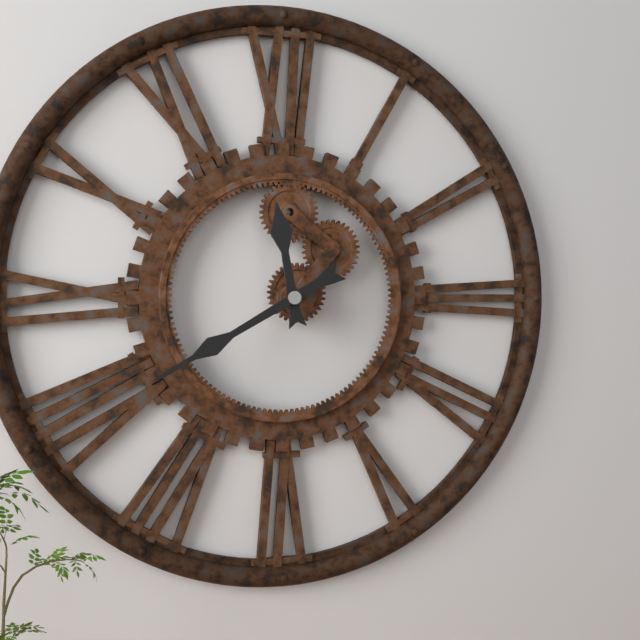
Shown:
11 h 40 min
